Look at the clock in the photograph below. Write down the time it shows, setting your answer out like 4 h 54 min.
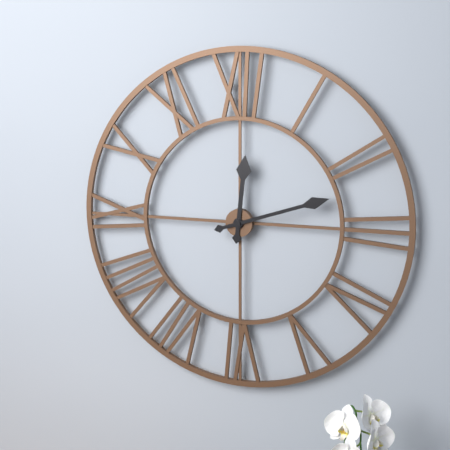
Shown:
12 h 12 min
